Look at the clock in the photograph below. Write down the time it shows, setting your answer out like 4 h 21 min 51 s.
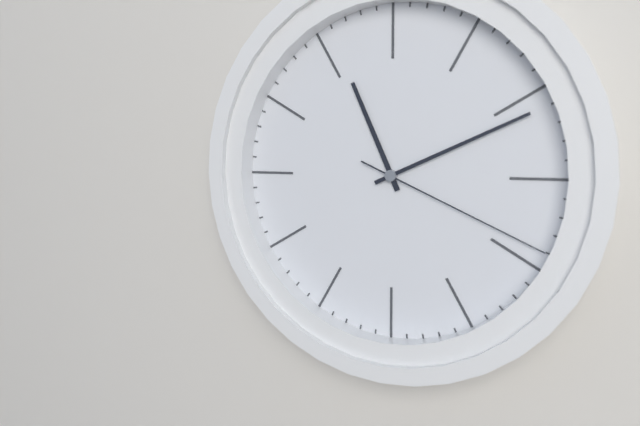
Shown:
11 h 11 min 19 s
